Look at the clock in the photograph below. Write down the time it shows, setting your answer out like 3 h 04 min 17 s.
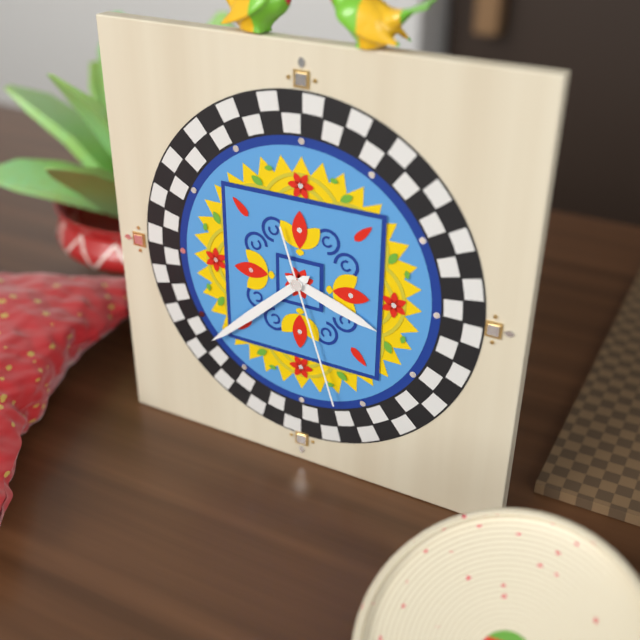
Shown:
3 h 38 min 27 s
